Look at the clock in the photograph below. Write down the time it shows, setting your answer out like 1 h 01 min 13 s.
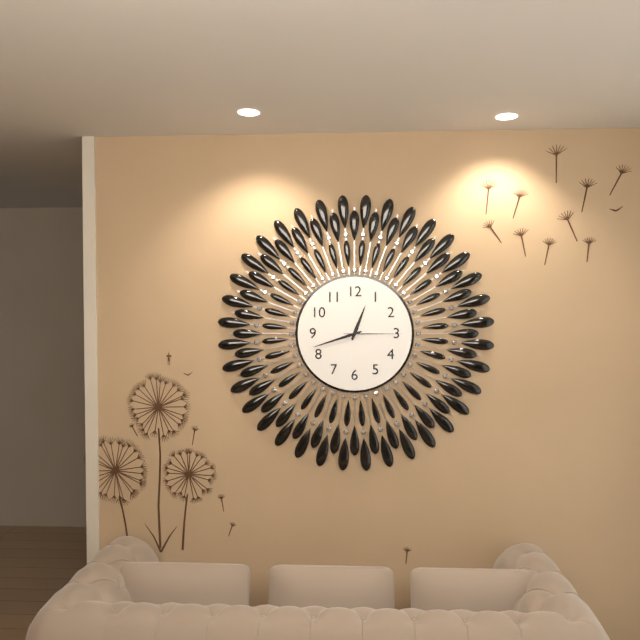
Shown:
12 h 42 min 15 s
